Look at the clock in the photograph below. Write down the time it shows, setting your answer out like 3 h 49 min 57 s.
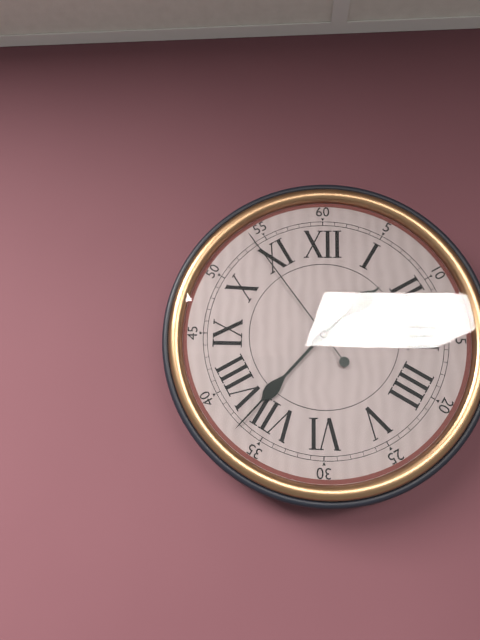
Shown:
1 h 37 min 54 s
